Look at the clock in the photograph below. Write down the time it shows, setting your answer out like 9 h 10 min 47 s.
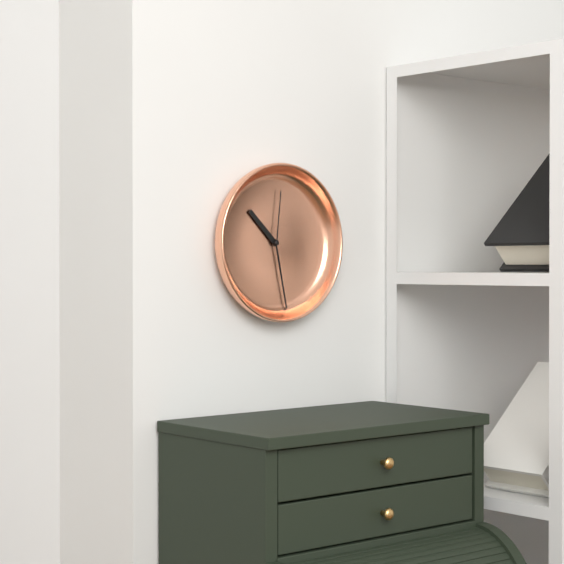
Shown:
10 h 28 min 01 s
